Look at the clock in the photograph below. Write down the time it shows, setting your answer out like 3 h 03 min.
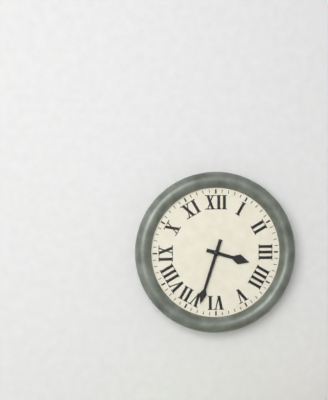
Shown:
3 h 33 min
